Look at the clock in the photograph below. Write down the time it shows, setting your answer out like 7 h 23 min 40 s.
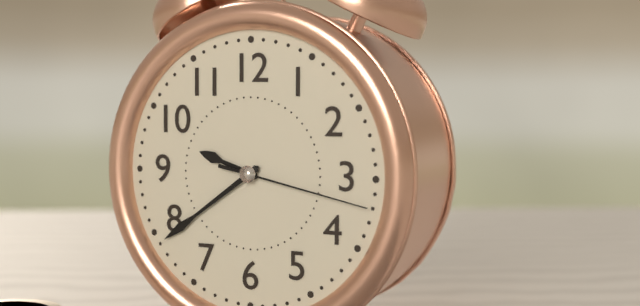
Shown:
9 h 39 min 17 s
